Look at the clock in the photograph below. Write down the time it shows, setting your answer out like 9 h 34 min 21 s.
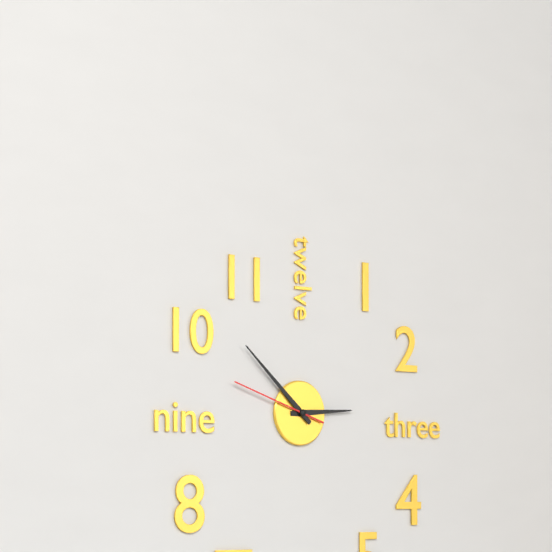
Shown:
2 h 52 min 48 s
